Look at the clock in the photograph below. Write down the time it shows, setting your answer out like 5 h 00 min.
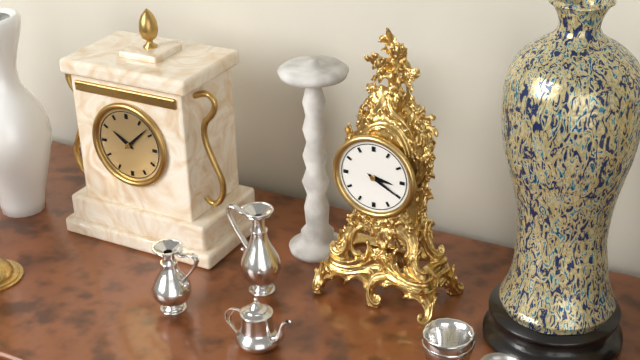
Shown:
3 h 20 min
